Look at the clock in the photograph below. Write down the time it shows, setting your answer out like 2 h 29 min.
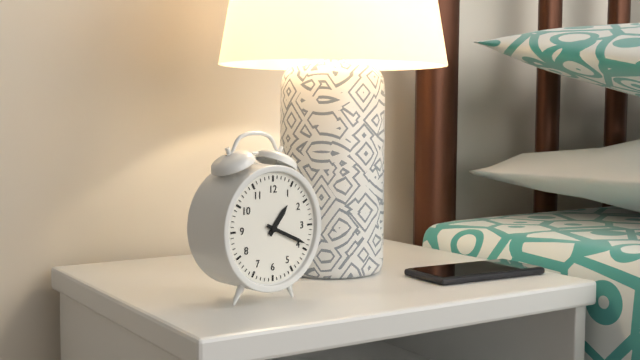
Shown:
1 h 19 min
